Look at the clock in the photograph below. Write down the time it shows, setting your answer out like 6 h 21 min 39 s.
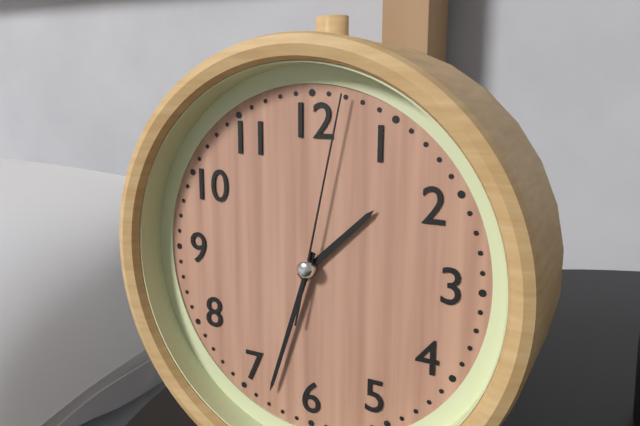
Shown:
1 h 33 min 02 s
